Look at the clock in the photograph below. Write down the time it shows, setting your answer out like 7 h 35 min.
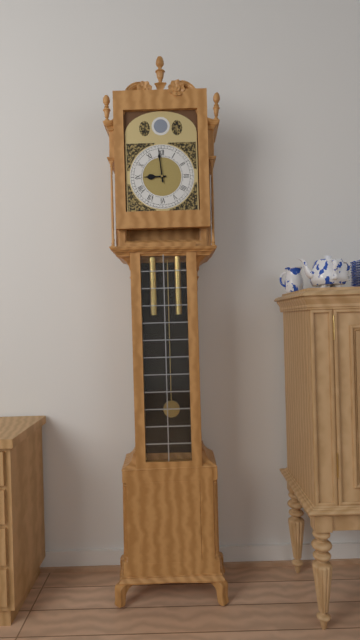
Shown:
8 h 59 min
